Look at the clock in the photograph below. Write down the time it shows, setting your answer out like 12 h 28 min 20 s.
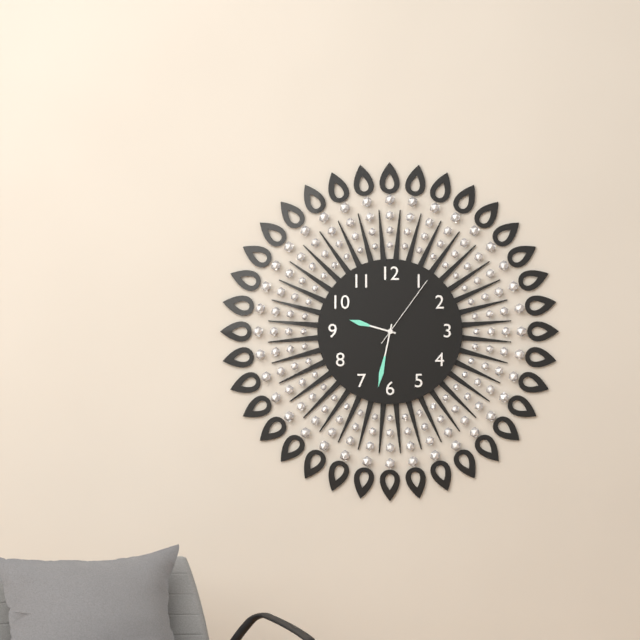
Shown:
9 h 32 min 06 s
